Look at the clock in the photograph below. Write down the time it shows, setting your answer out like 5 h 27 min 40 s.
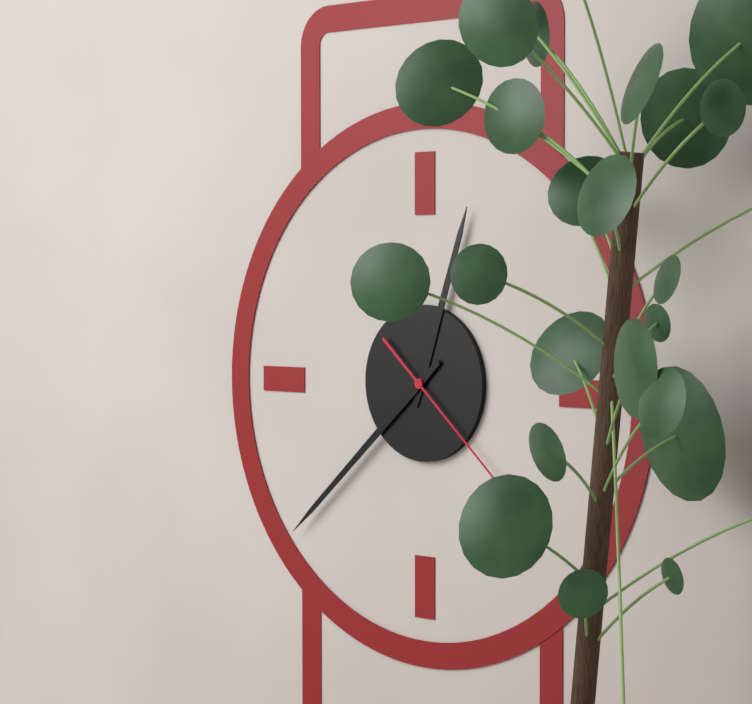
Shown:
12 h 38 min 22 s
